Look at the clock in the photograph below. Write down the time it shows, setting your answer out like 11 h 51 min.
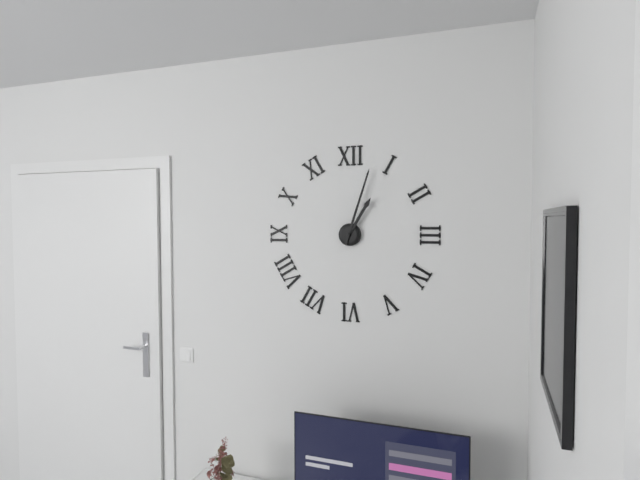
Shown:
1 h 03 min
